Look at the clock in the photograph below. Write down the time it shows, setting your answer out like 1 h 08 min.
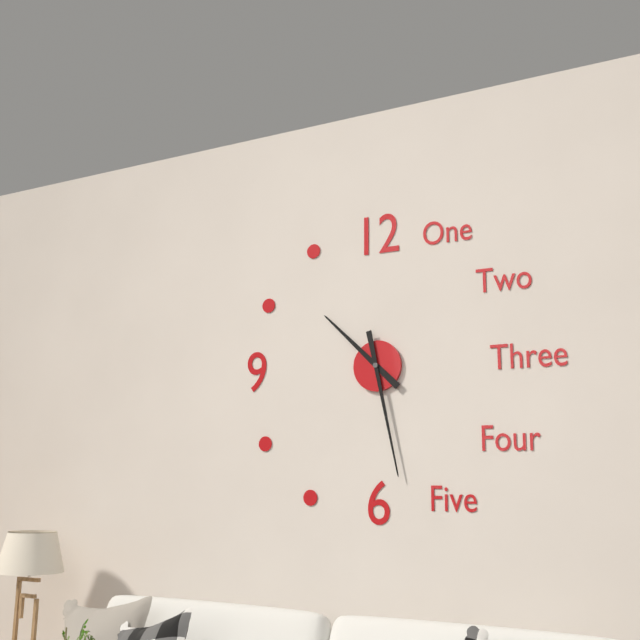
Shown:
10 h 28 min
